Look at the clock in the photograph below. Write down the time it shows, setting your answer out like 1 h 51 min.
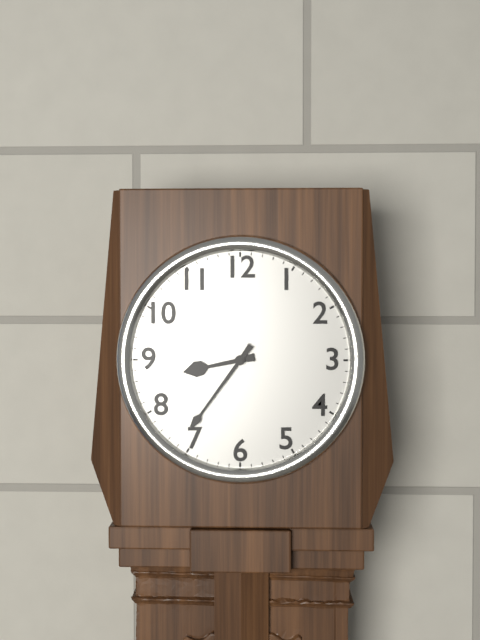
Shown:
8 h 36 min
